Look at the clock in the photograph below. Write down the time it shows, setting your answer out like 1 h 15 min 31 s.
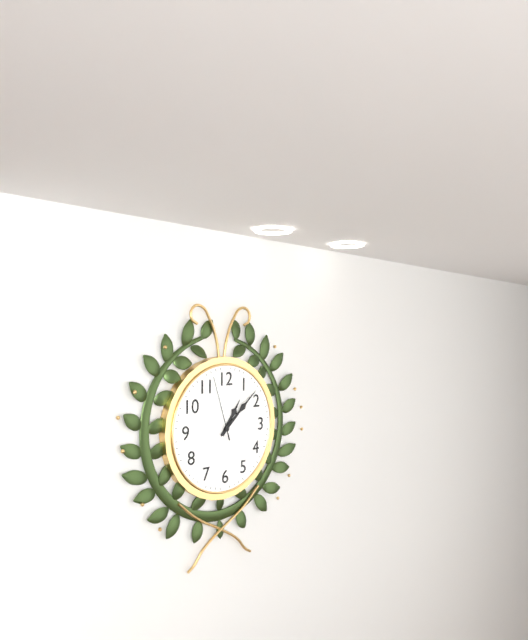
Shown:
1 h 08 min 57 s
